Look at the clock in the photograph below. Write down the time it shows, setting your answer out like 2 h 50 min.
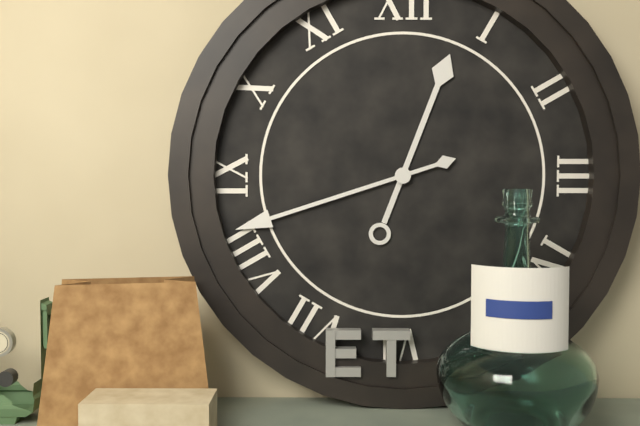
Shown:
12 h 42 min
